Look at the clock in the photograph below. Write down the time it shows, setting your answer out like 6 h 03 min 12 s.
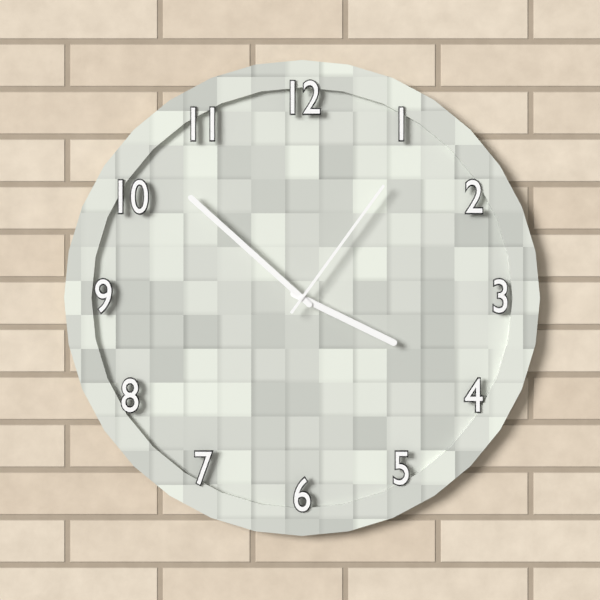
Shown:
3 h 52 min 06 s
